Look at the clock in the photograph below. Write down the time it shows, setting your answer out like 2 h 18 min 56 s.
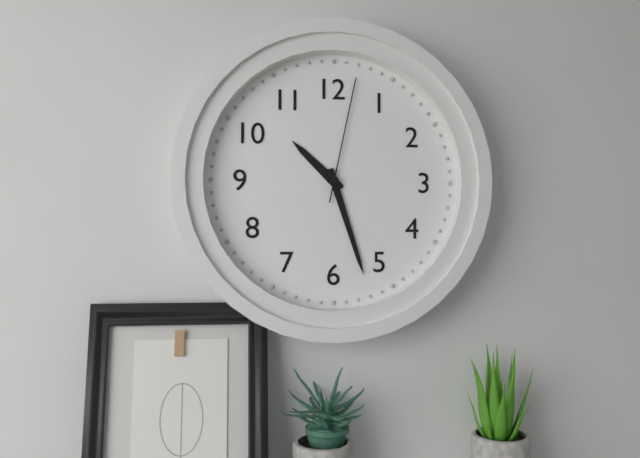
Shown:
10 h 27 min 02 s
